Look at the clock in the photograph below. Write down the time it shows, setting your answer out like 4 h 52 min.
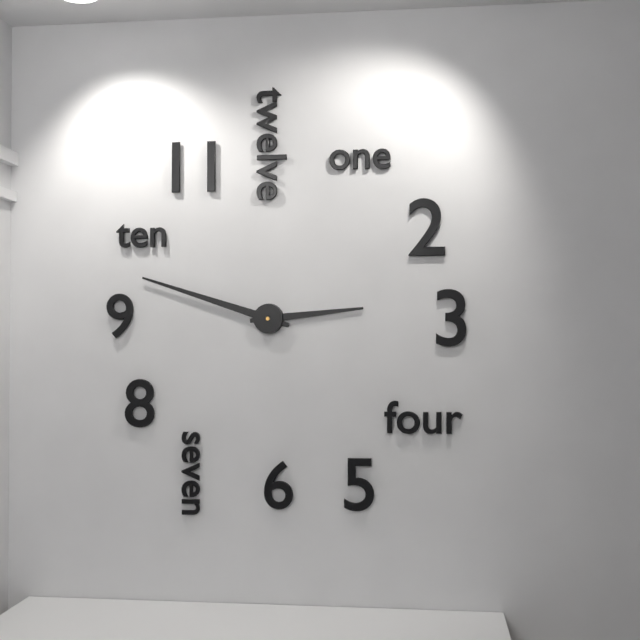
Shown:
2 h 48 min
